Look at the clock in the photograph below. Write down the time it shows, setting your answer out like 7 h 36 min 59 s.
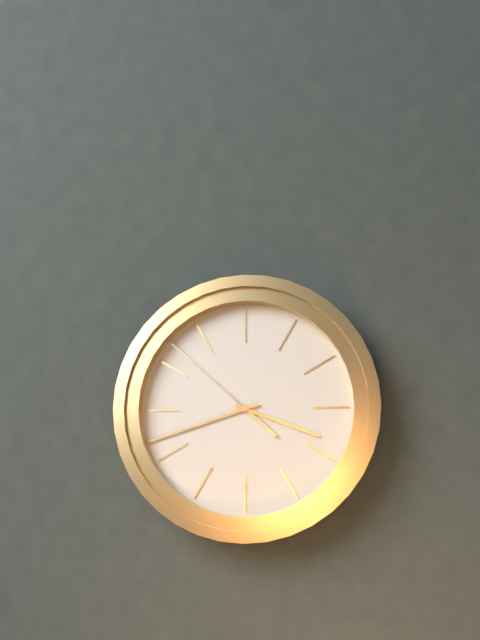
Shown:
3 h 42 min 52 s
